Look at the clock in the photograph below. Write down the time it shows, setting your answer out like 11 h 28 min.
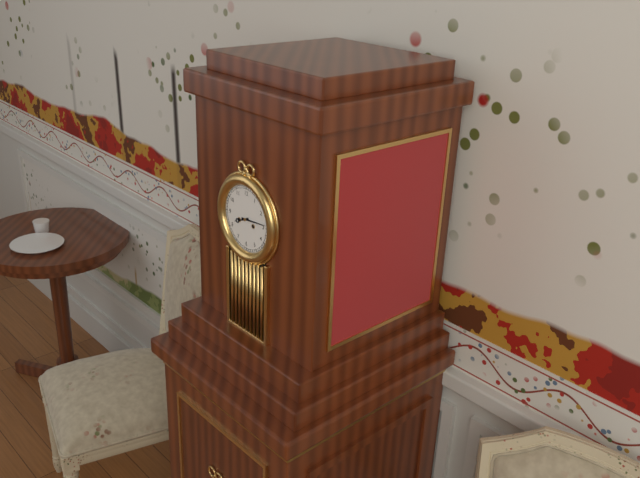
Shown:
8 h 14 min
